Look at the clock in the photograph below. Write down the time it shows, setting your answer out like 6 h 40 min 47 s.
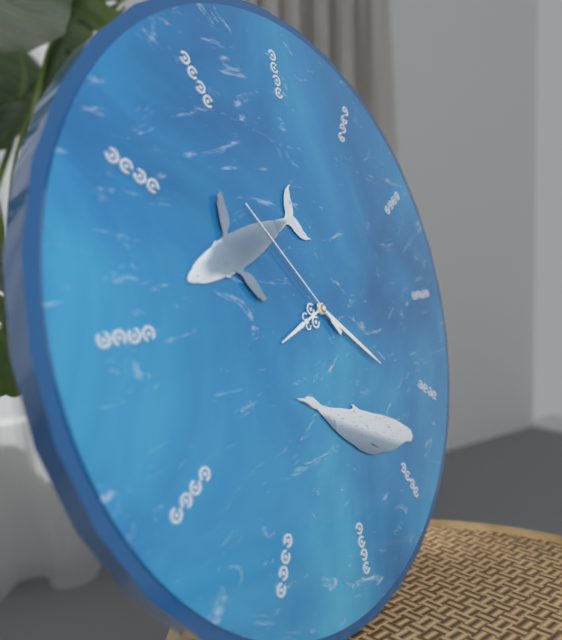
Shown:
8 h 21 min 53 s
